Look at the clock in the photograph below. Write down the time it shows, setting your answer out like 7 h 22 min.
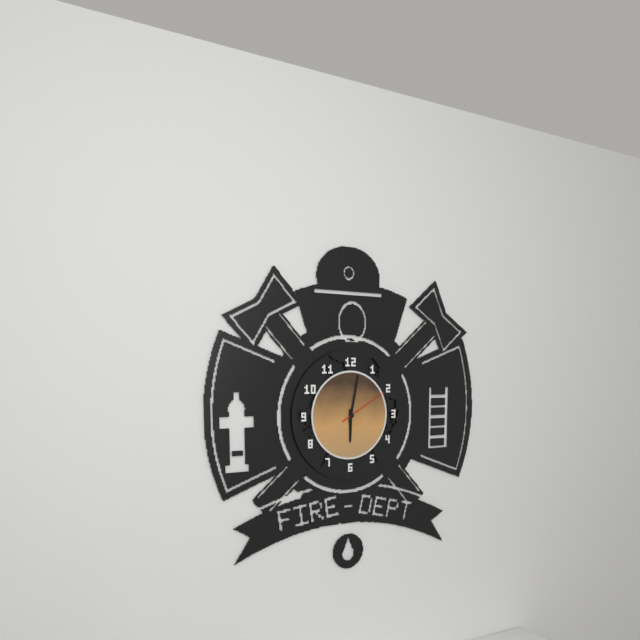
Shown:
6 h 02 min
